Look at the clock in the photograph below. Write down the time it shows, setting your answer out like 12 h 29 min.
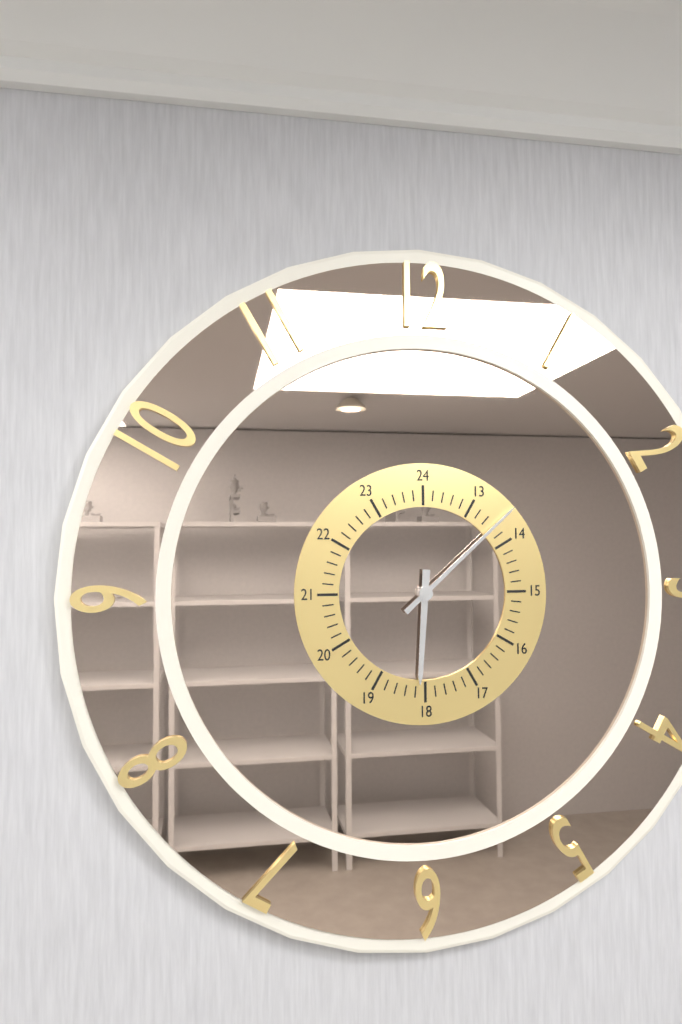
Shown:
6 h 08 min
